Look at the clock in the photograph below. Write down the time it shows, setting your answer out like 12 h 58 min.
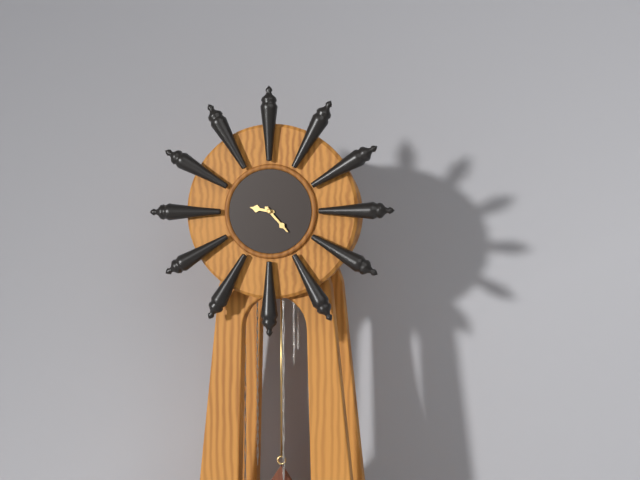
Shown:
9 h 23 min
